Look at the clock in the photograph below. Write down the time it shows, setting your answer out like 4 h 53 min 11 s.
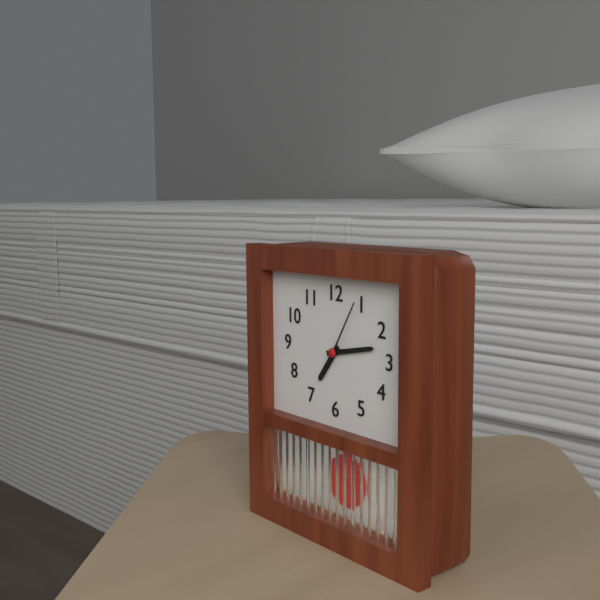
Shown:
7 h 13 min 05 s
